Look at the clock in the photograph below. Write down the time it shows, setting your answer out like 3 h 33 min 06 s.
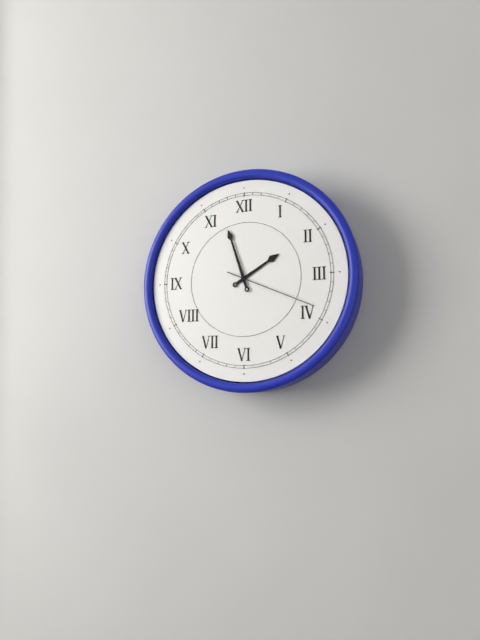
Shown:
1 h 57 min 19 s
